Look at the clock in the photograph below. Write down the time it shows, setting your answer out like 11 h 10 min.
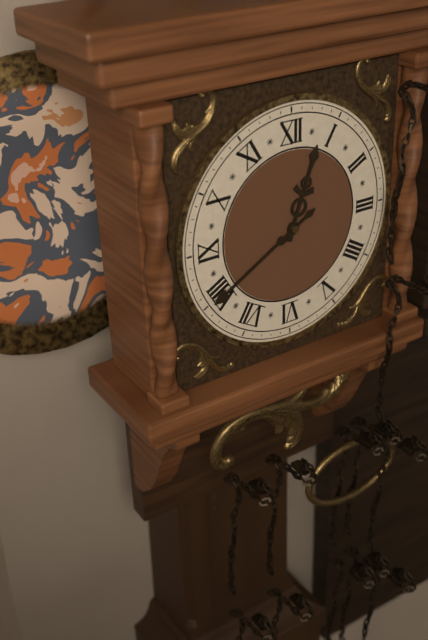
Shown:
12 h 40 min
